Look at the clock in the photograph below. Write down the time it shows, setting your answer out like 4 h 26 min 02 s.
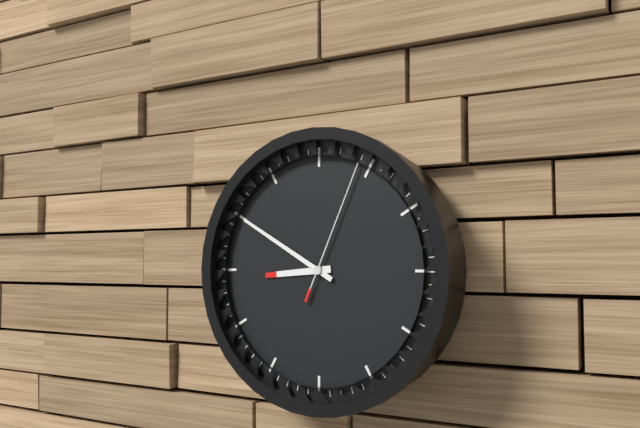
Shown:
8 h 50 min 04 s
